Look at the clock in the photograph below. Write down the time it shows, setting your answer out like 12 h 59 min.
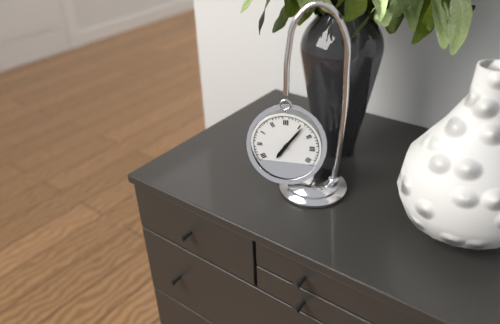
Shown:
7 h 06 min
